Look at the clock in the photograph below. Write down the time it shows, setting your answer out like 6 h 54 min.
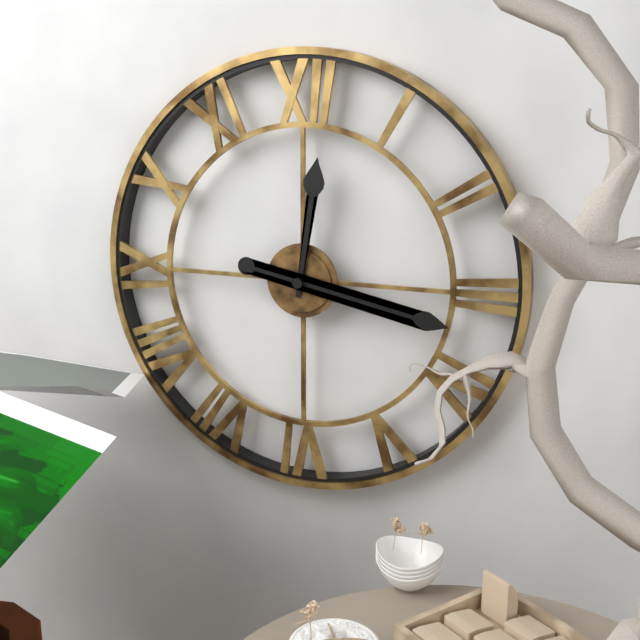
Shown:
12 h 17 min
